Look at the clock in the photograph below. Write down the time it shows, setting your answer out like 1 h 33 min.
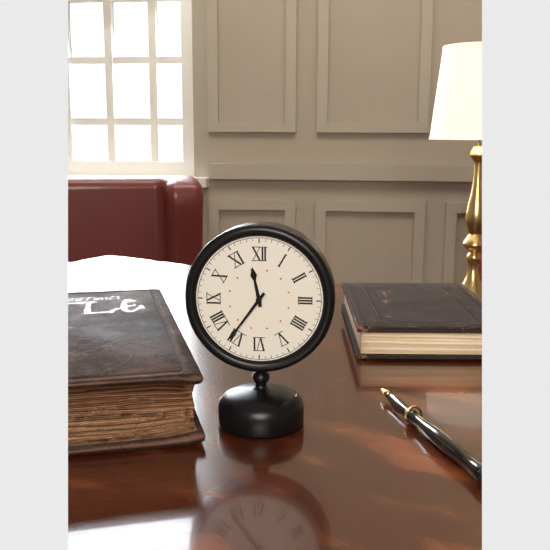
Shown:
11 h 36 min
